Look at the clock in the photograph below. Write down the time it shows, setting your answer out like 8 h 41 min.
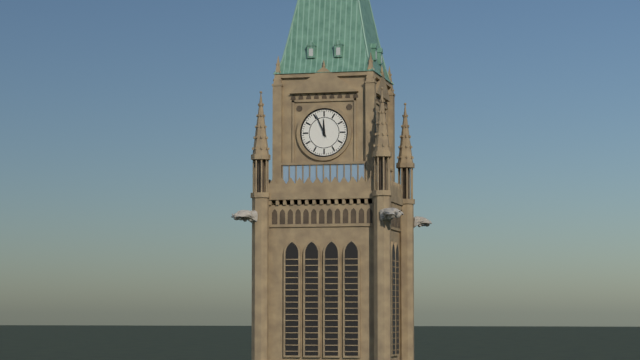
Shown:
11 h 56 min
